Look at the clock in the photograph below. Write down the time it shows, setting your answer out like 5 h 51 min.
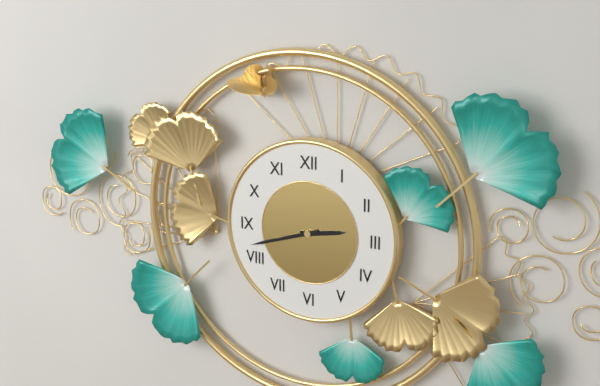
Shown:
2 h 42 min
